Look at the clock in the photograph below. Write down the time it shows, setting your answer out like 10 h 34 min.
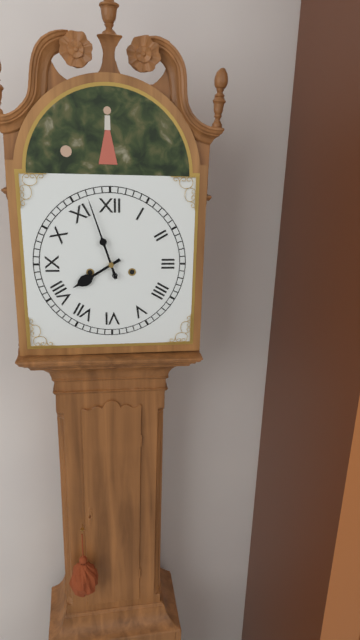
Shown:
7 h 57 min
